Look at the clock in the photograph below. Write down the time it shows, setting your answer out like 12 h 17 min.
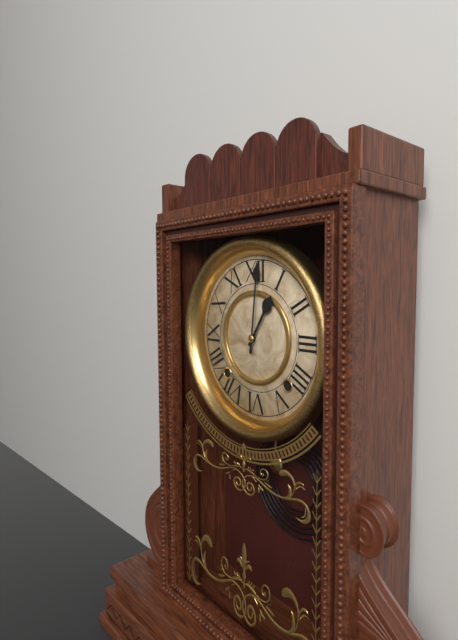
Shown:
1 h 01 min
